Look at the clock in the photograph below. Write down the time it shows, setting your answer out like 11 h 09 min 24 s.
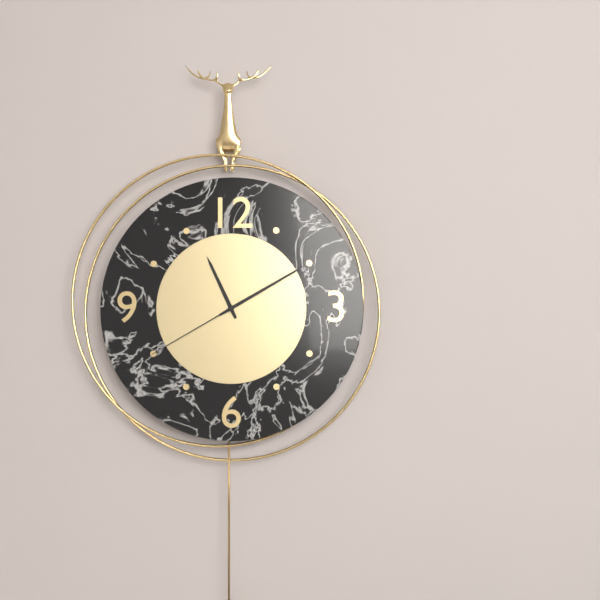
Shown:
11 h 10 min 40 s
